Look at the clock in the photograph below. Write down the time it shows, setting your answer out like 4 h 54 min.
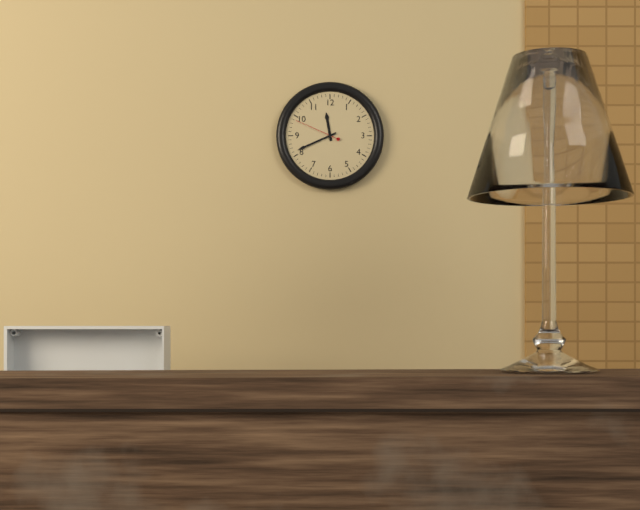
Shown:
11 h 41 min
